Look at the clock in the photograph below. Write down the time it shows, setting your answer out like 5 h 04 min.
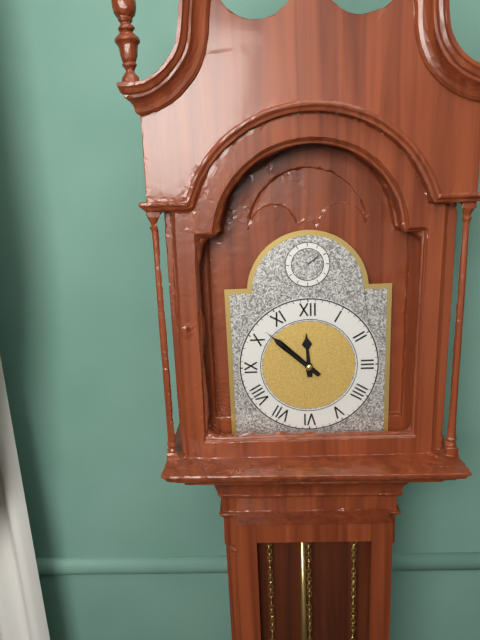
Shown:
11 h 52 min
